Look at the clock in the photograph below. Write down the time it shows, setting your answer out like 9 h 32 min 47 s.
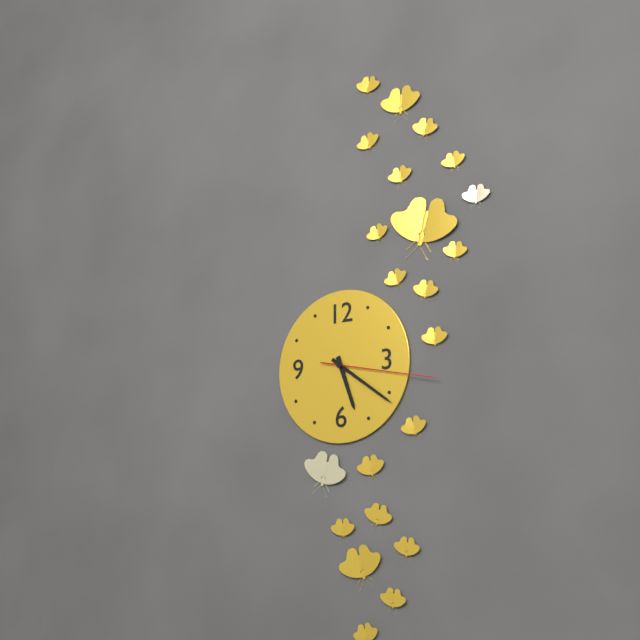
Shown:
5 h 21 min 17 s
